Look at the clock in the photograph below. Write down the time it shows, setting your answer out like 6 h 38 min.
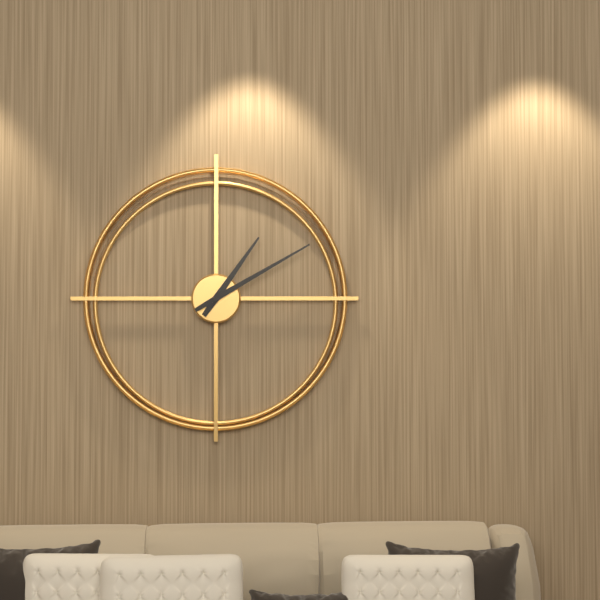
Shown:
1 h 10 min
